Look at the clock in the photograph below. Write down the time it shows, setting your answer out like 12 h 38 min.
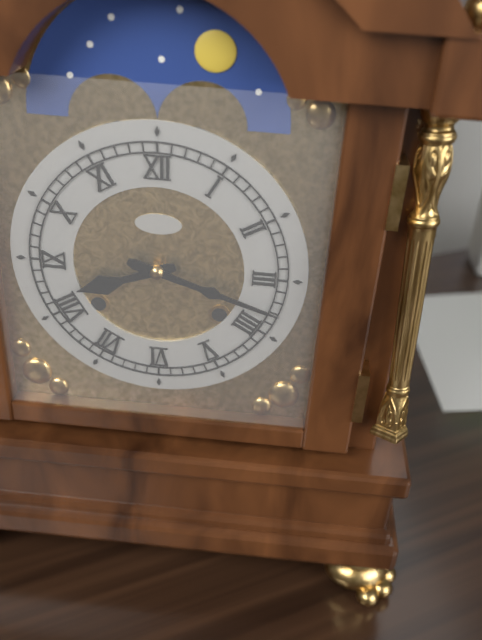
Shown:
8 h 18 min
